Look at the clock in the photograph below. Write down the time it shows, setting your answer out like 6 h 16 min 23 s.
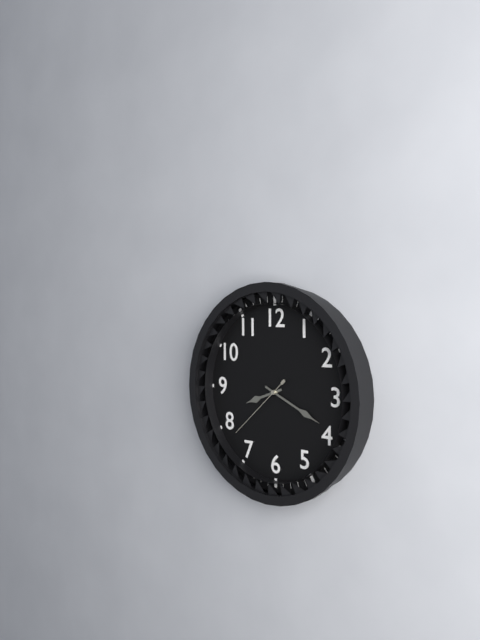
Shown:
8 h 19 min 38 s
